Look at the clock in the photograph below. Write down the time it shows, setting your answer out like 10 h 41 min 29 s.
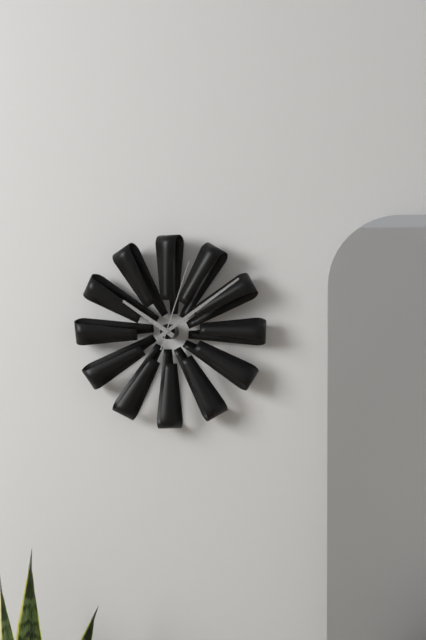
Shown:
10 h 09 min 03 s
